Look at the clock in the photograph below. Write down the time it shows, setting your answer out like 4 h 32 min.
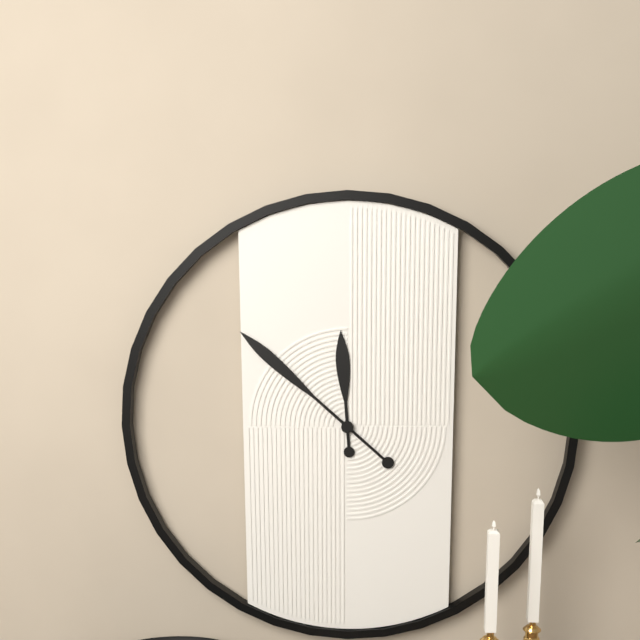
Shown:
11 h 52 min
